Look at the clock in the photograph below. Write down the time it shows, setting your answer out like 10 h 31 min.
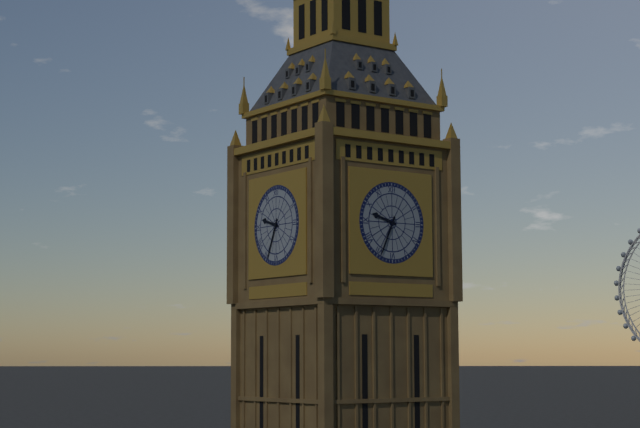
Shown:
9 h 34 min
